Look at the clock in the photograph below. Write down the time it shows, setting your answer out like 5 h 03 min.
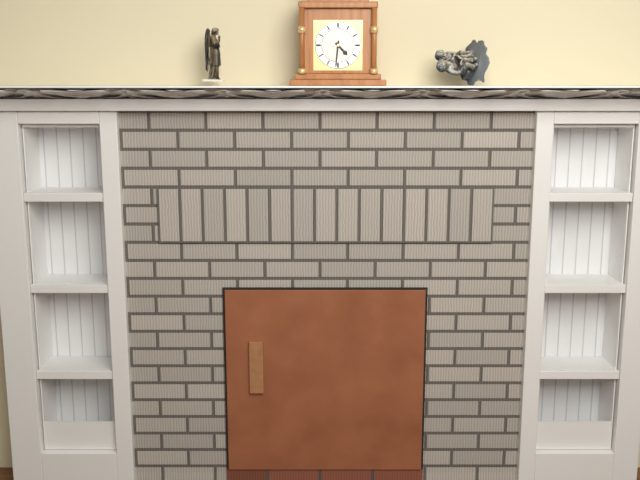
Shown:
4 h 31 min
